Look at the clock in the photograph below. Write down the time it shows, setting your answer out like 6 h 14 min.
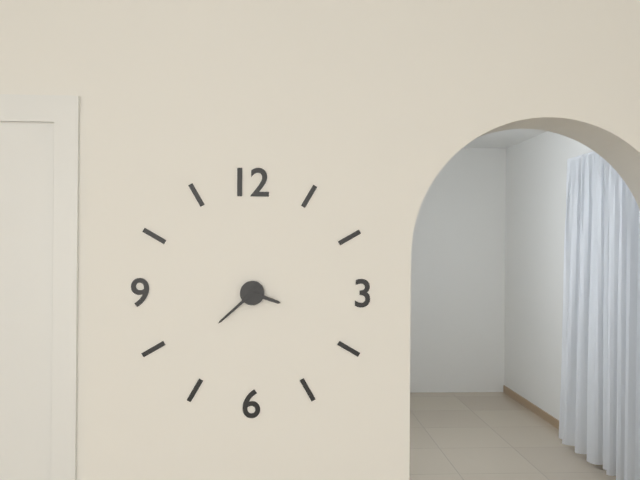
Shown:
3 h 38 min
